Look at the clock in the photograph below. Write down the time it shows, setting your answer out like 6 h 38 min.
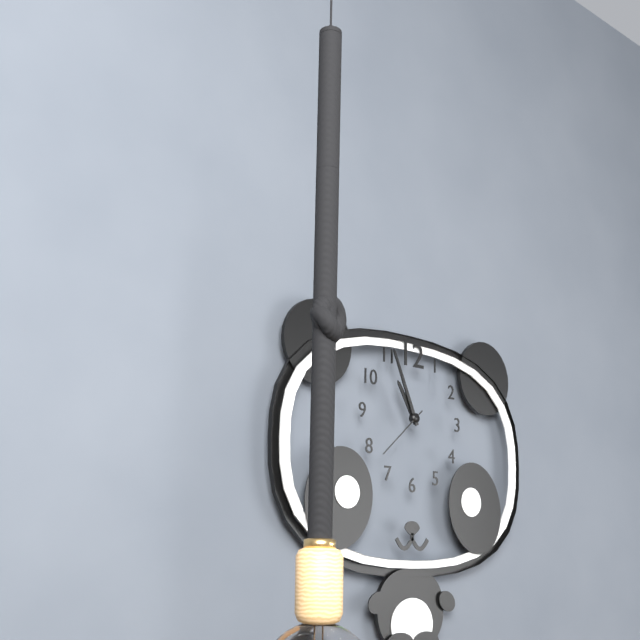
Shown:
10 h 56 min
